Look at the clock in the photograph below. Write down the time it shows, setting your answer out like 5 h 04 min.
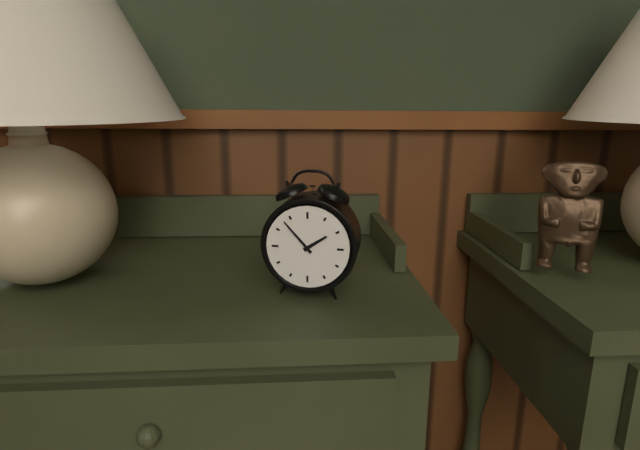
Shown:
1 h 53 min
